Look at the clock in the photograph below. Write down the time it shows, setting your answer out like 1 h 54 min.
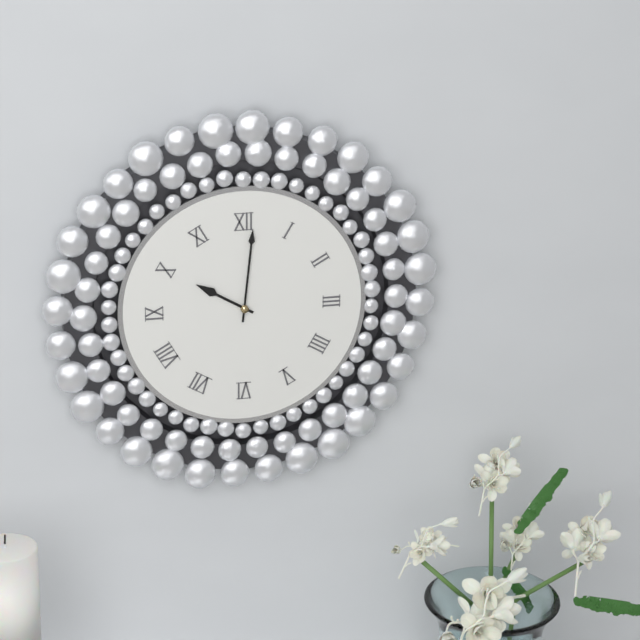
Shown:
10 h 01 min
